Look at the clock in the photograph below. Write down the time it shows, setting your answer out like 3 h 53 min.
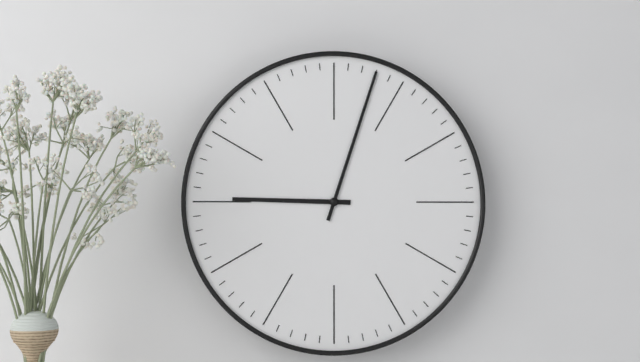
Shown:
9 h 03 min
